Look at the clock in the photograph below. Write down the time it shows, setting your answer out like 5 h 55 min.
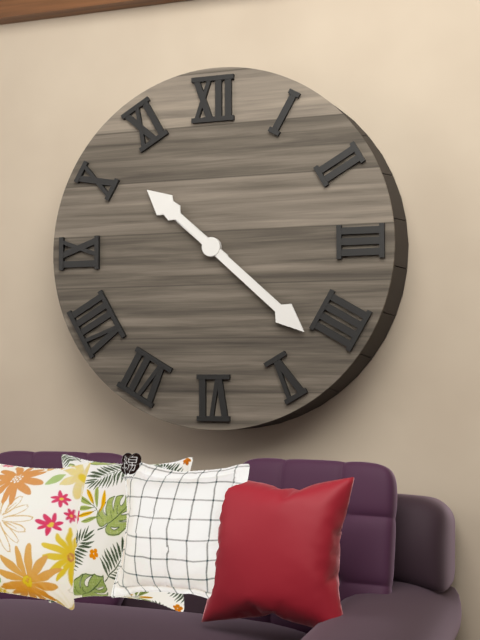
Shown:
10 h 22 min
